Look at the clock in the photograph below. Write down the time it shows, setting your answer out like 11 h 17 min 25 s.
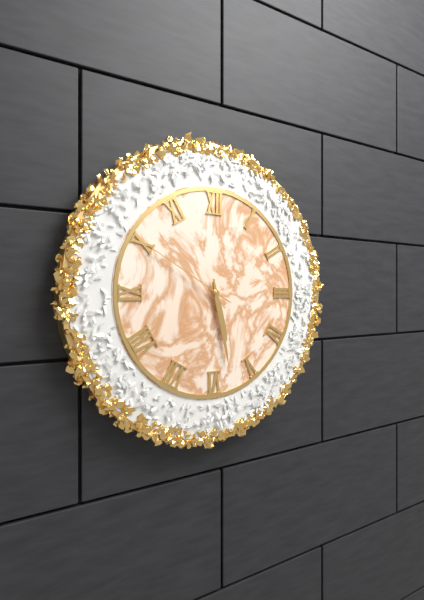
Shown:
5 h 28 min 50 s
